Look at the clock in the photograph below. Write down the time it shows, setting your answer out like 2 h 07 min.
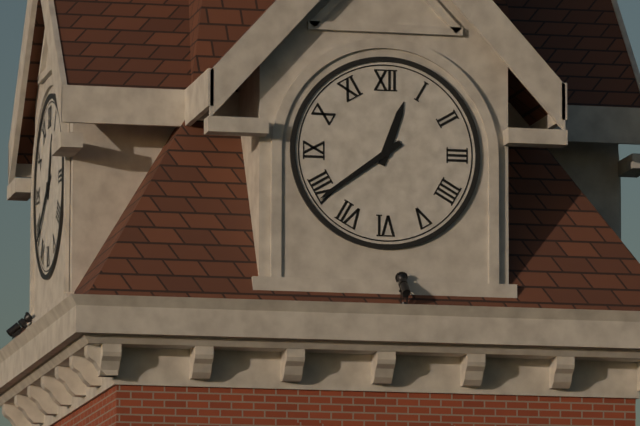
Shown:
12 h 39 min
